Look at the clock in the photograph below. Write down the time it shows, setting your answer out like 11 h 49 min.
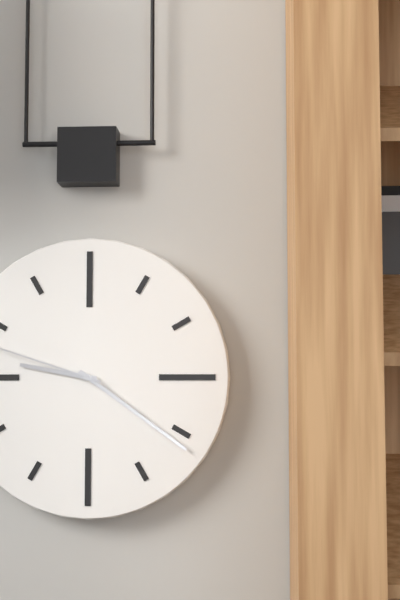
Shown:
9 h 21 min
